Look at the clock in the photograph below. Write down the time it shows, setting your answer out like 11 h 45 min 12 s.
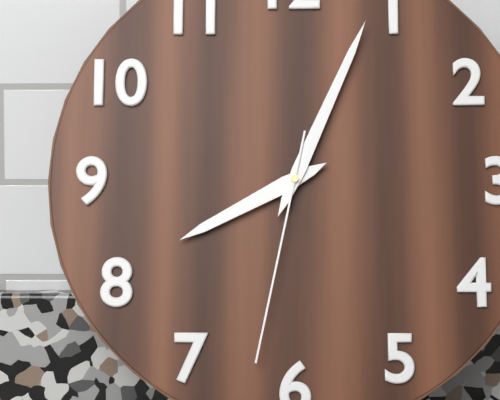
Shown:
8 h 04 min 32 s
